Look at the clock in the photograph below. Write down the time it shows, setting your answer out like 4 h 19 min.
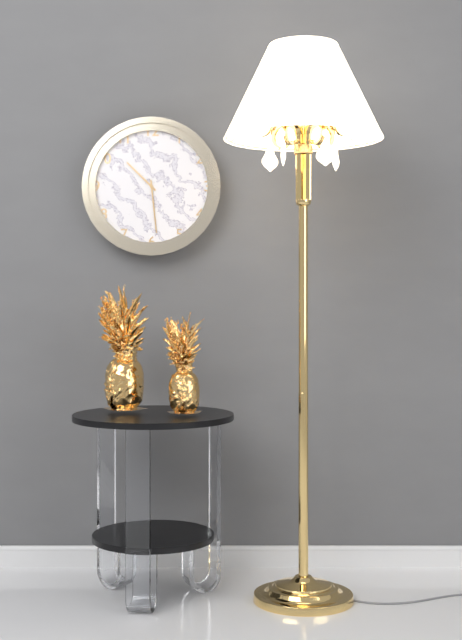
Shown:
10 h 29 min
